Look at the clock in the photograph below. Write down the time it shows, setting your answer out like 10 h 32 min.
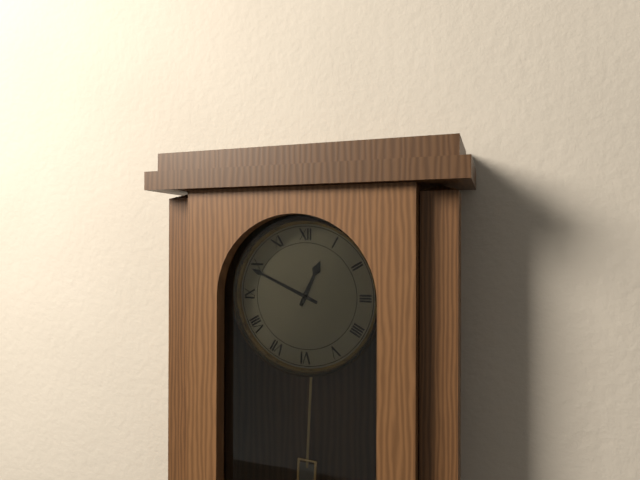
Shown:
12 h 49 min
